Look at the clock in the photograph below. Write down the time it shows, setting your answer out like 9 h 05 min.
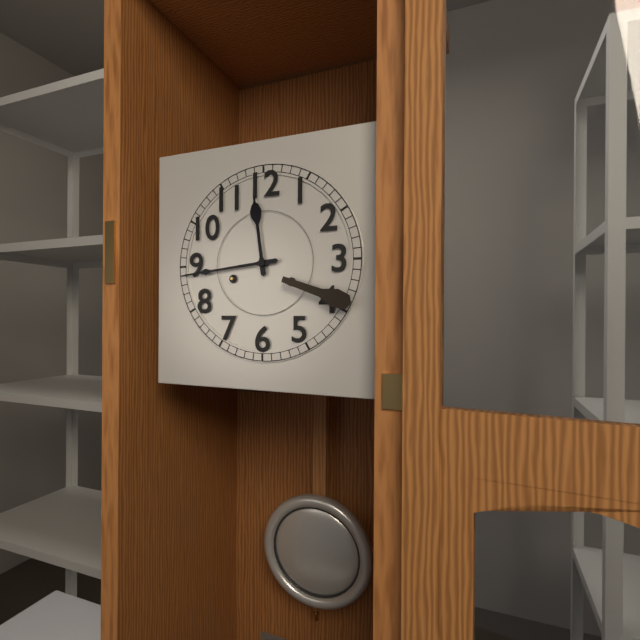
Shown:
11 h 44 min
